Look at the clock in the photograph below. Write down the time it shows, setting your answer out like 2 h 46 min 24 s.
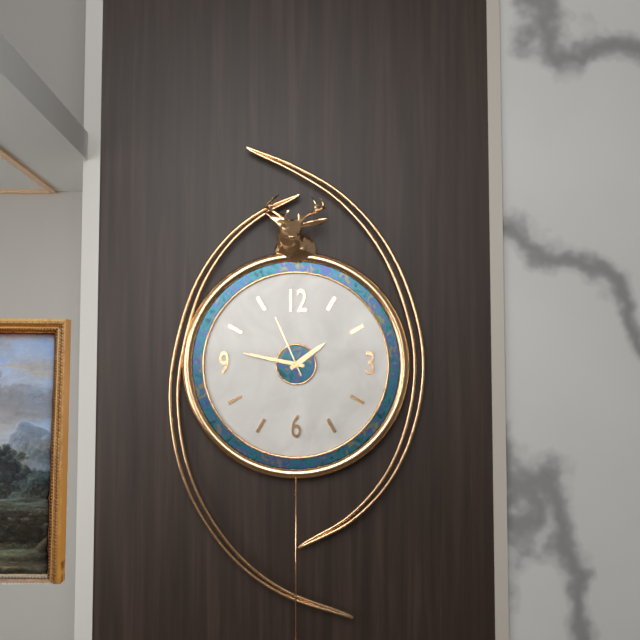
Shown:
1 h 47 min 56 s
